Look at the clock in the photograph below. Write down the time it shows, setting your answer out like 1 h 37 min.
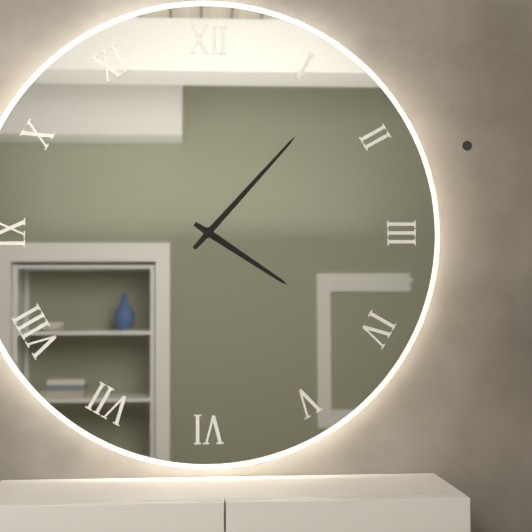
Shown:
4 h 07 min
